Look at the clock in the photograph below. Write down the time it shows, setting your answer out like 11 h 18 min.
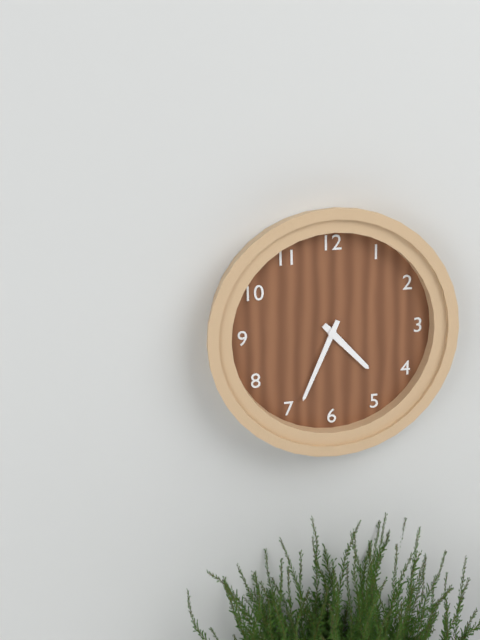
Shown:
4 h 34 min
